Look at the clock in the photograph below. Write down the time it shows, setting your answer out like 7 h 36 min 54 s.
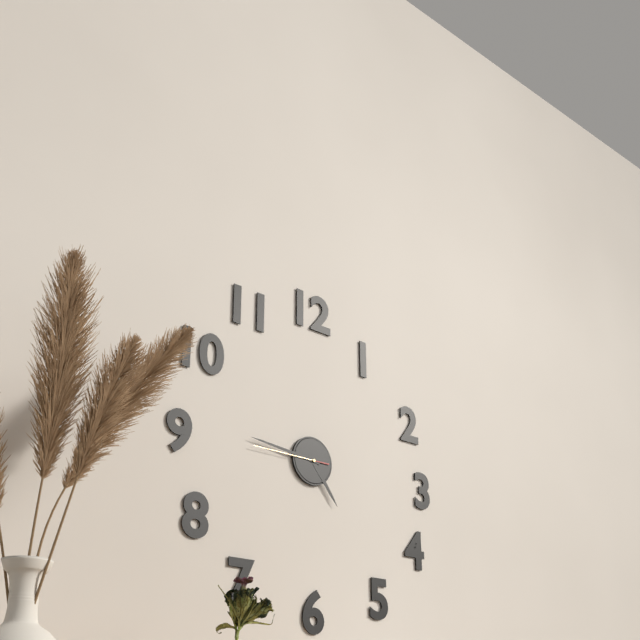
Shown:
4 h 46 min 45 s
